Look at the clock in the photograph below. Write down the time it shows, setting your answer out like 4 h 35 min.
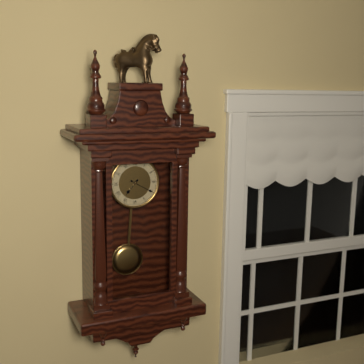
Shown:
7 h 20 min
